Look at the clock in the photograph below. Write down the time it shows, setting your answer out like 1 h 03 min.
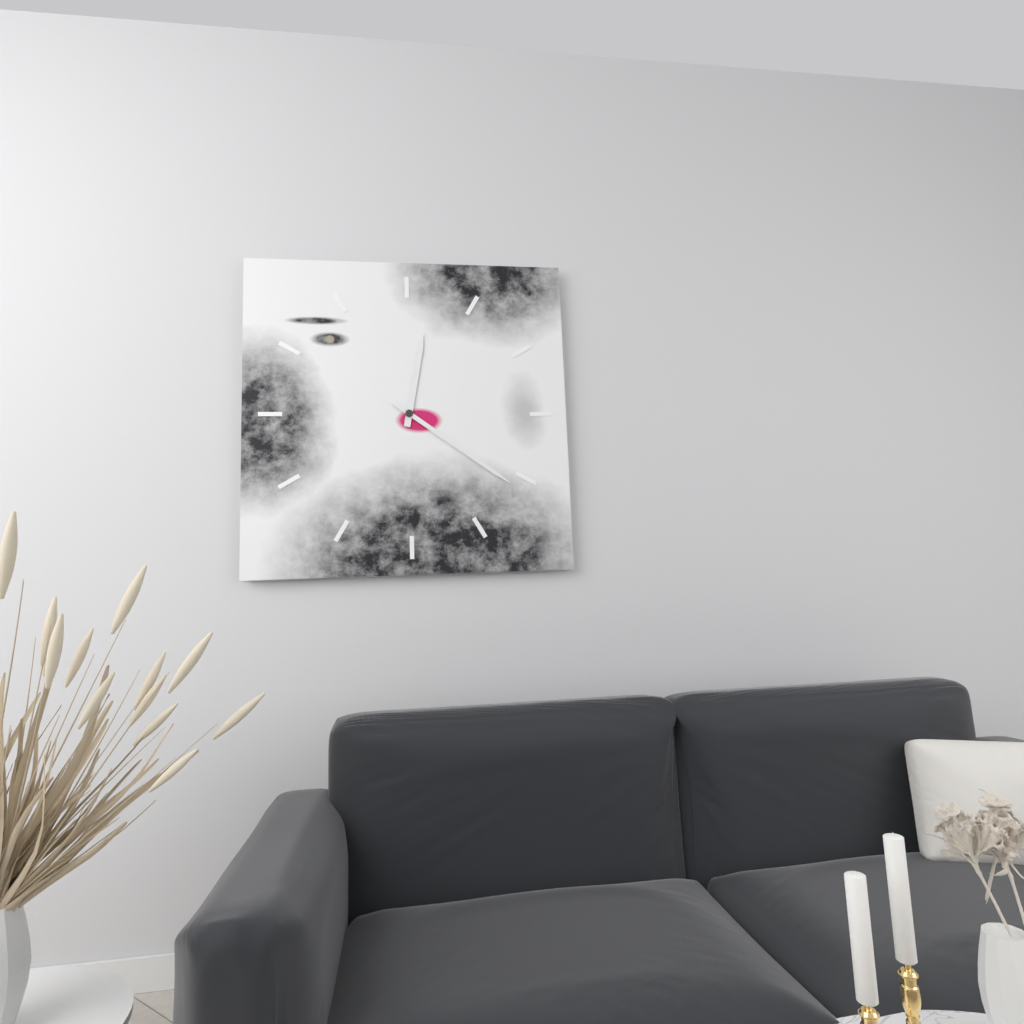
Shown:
12 h 21 min
